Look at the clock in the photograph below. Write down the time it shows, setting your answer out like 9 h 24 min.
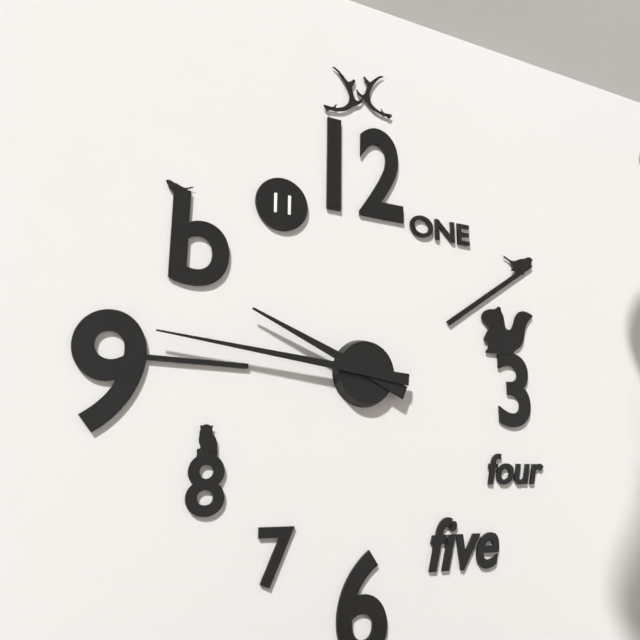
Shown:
9 h 46 min
